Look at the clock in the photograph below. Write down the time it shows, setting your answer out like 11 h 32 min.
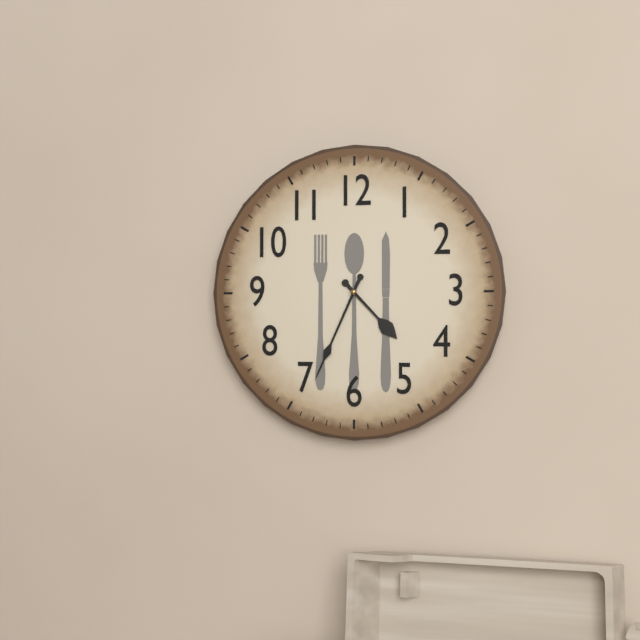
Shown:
4 h 34 min
